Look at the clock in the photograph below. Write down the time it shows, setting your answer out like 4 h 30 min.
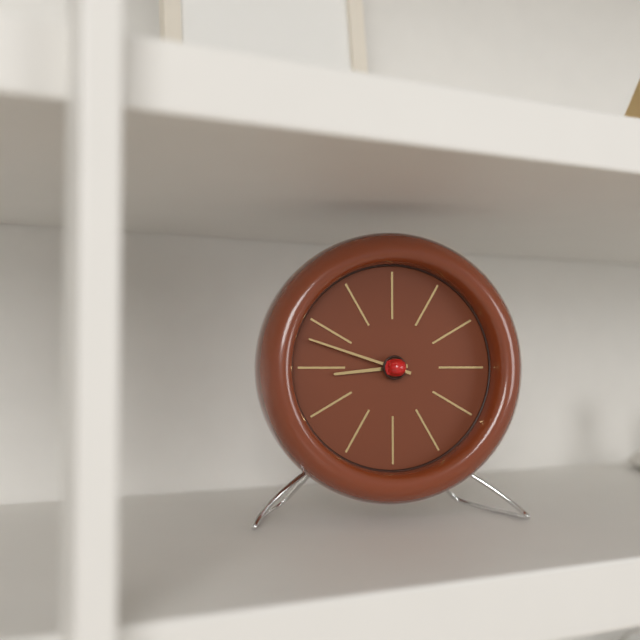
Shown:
8 h 48 min
